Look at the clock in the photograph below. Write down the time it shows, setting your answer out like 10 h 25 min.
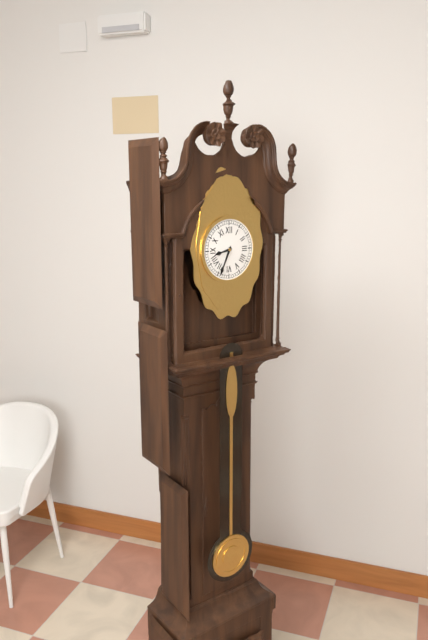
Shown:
8 h 34 min
